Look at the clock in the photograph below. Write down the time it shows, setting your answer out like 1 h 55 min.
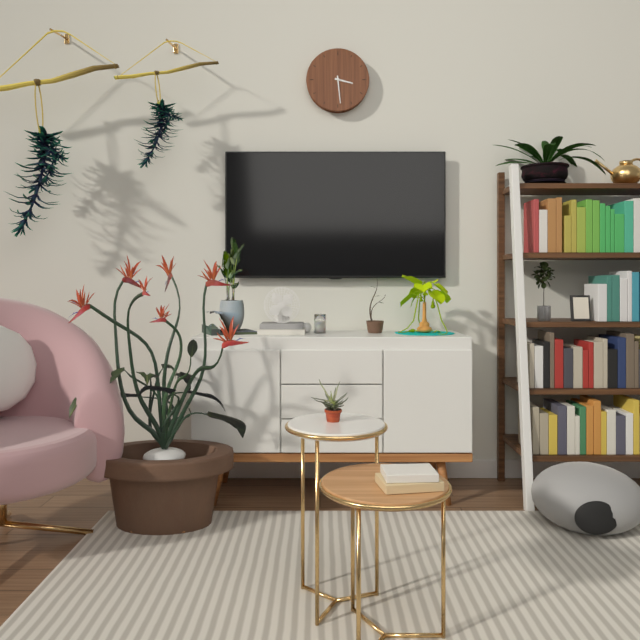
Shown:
3 h 29 min
